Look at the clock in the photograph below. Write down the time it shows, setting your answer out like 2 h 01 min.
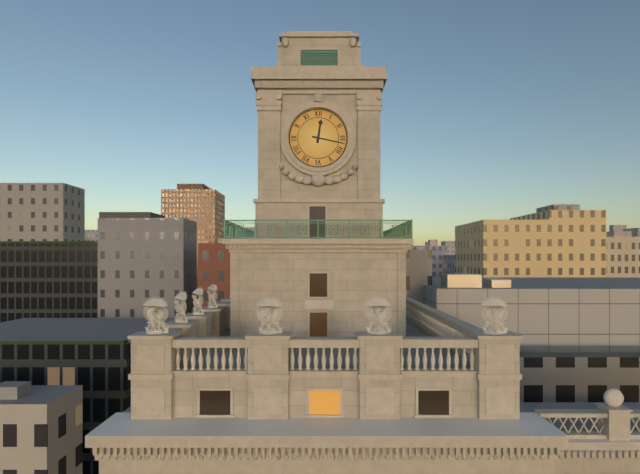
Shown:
12 h 17 min
